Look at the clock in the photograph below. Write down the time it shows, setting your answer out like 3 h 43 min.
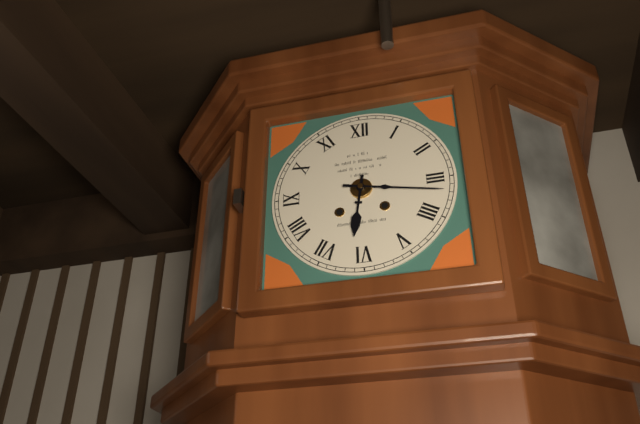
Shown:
6 h 17 min
